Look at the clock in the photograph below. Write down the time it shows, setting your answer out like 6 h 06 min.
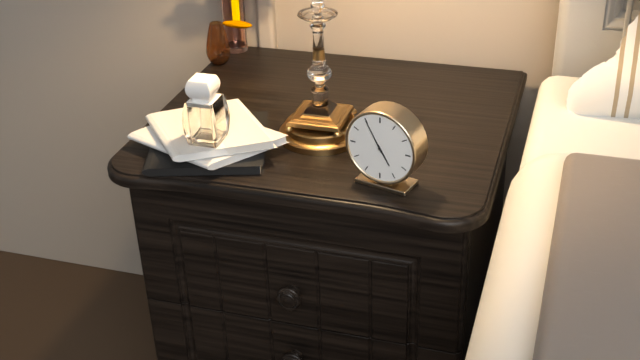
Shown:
4 h 55 min
